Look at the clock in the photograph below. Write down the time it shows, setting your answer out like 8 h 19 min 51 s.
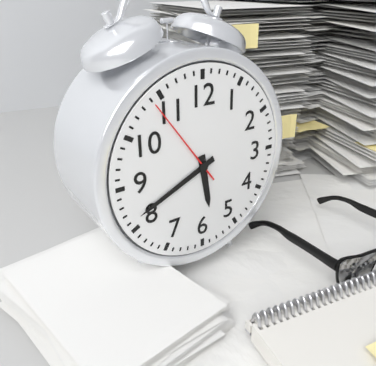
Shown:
5 h 41 min 54 s
